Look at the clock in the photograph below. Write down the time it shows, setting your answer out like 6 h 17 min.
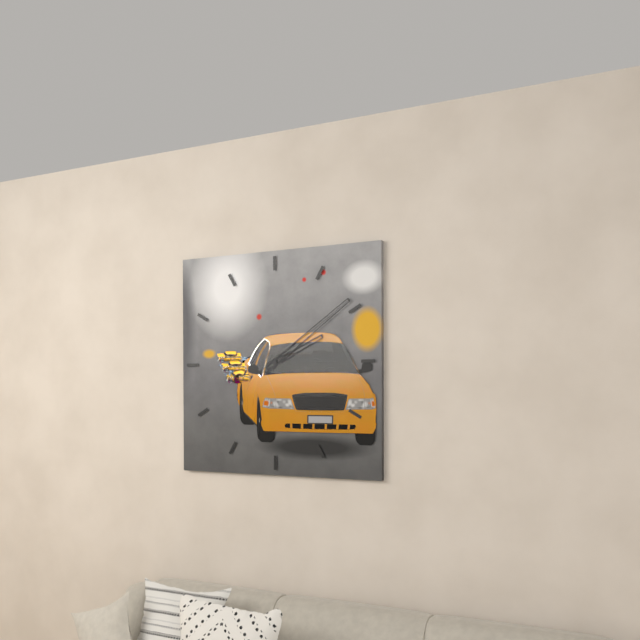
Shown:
2 h 09 min
